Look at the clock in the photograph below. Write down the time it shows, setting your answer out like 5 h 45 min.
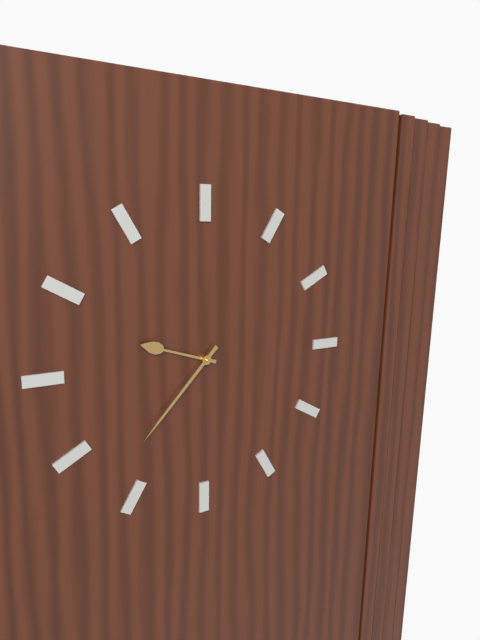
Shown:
9 h 37 min
